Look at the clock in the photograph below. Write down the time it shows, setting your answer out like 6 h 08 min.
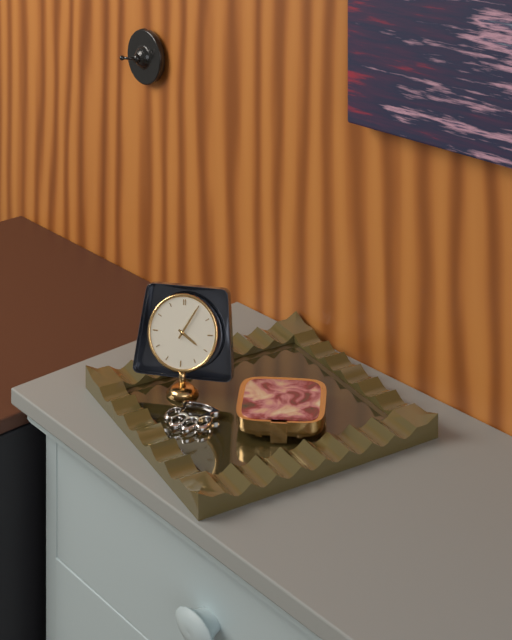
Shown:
4 h 05 min
